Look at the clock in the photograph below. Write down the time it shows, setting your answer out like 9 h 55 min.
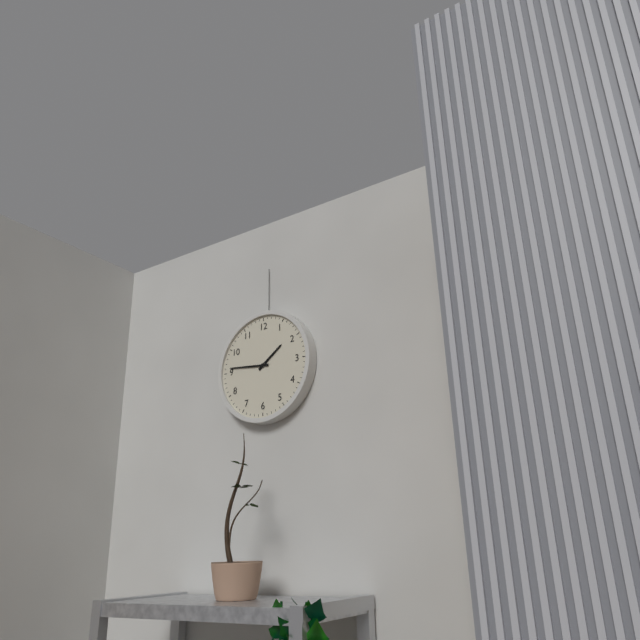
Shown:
1 h 46 min
